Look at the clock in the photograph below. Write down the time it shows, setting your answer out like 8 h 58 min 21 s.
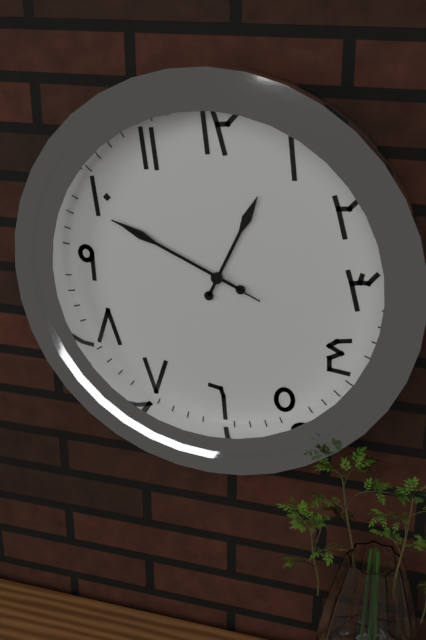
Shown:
12 h 49 min 49 s
